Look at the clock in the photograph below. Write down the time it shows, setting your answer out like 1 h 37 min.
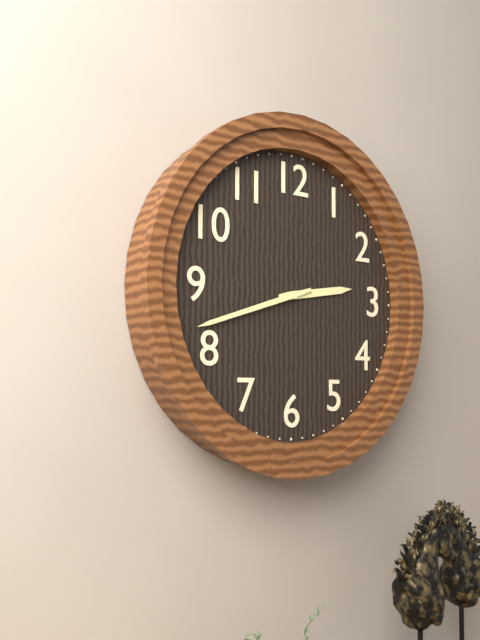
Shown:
2 h 42 min
